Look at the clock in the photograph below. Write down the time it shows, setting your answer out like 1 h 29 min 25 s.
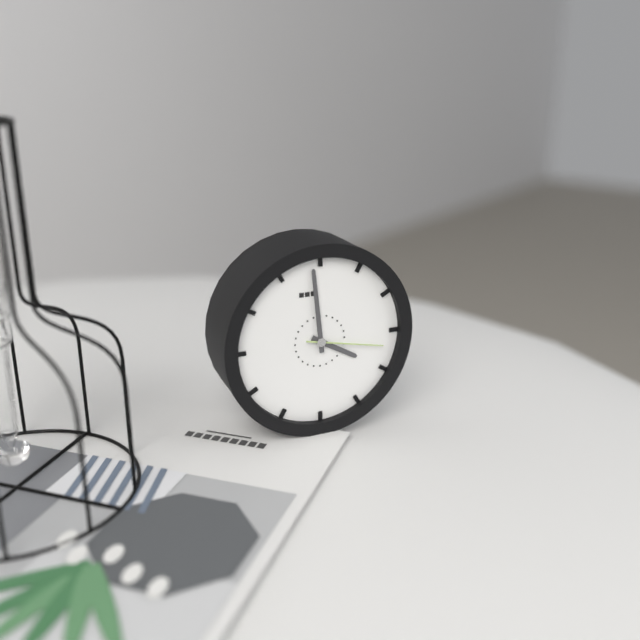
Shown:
3 h 59 min 17 s
